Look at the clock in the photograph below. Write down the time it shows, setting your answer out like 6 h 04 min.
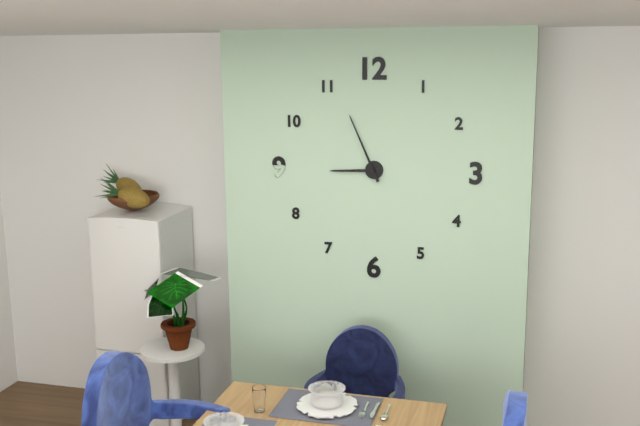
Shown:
8 h 56 min
